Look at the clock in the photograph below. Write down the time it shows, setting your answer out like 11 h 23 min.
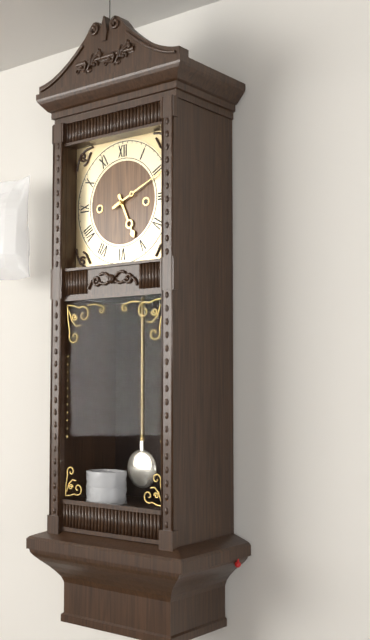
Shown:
5 h 11 min
